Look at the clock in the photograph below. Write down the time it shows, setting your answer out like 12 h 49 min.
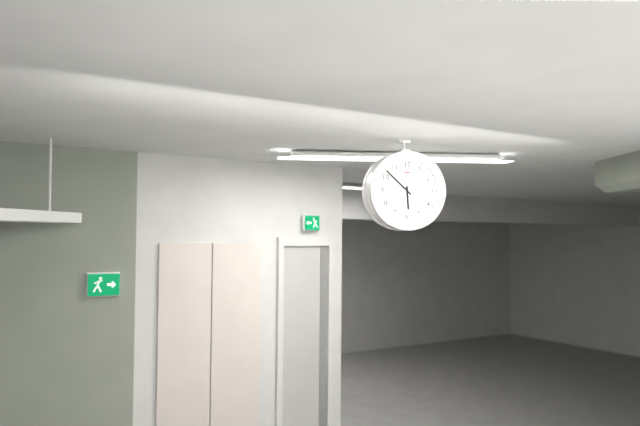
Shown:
5 h 52 min
